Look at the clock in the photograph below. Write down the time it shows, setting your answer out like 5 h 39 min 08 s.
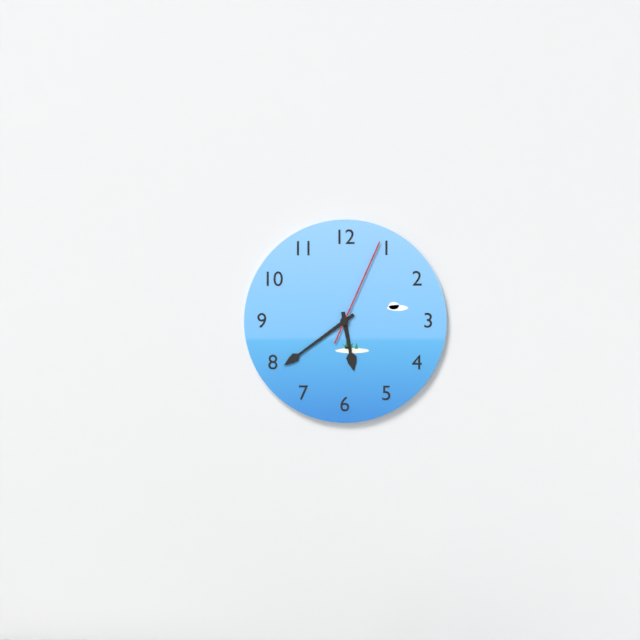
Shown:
5 h 39 min 04 s
